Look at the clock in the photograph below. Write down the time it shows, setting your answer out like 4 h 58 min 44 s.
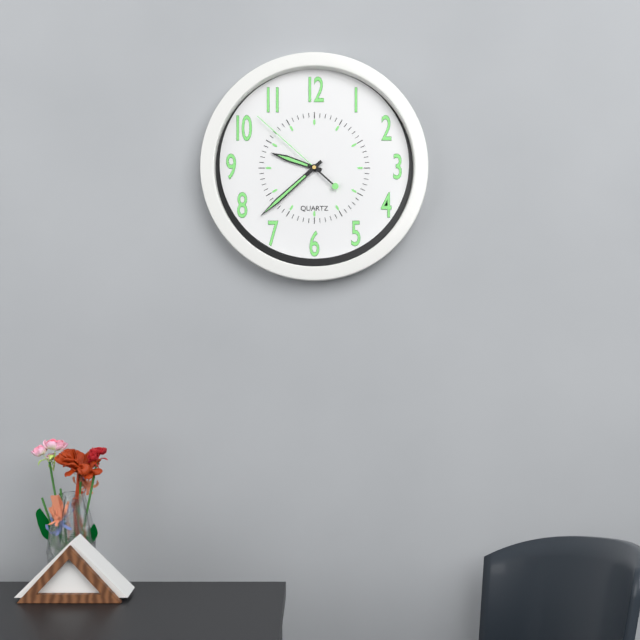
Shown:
9 h 38 min 52 s
